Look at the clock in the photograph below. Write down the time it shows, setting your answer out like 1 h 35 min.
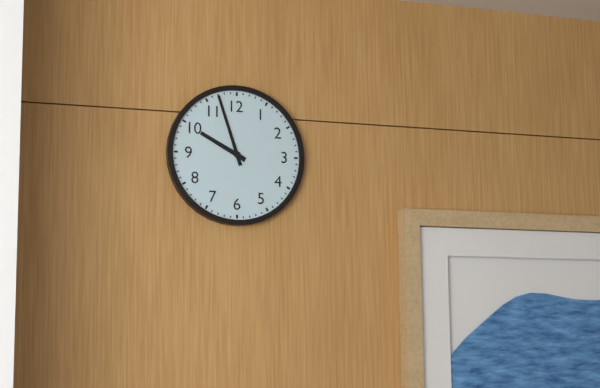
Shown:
9 h 57 min
